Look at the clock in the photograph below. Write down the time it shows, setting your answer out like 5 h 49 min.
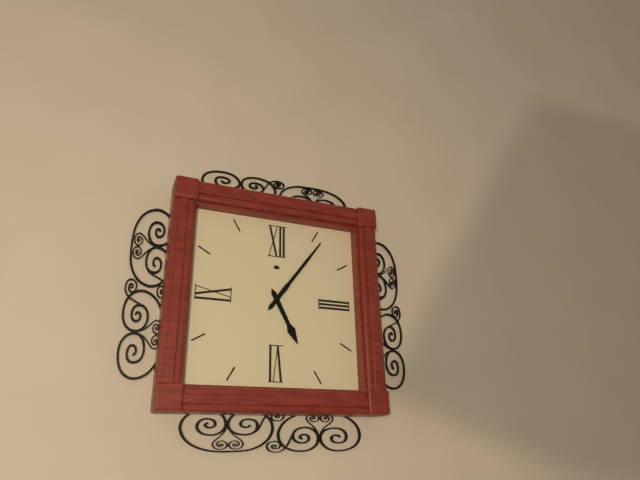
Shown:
5 h 06 min
